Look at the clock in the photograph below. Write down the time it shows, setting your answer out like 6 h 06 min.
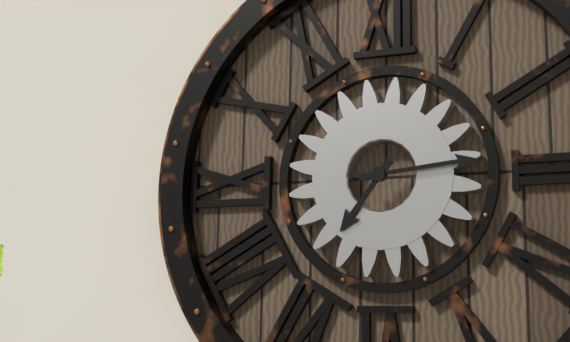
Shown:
7 h 14 min
